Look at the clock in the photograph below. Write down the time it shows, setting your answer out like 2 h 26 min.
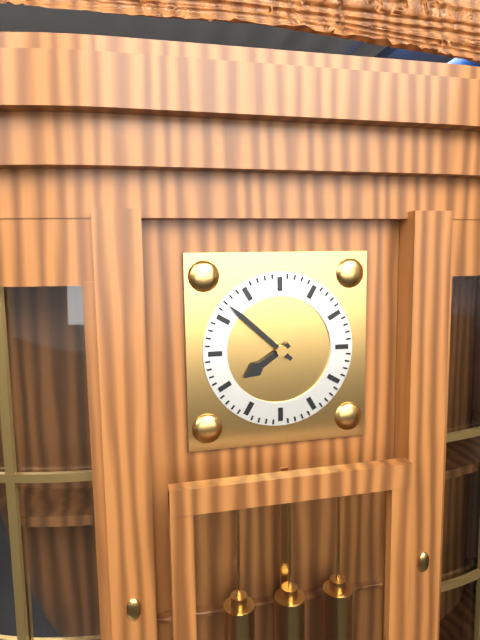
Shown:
7 h 52 min
